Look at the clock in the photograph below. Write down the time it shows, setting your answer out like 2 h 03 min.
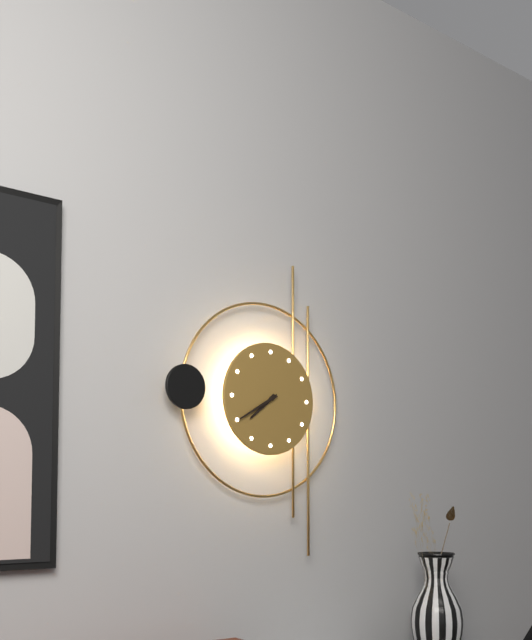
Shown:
7 h 40 min
